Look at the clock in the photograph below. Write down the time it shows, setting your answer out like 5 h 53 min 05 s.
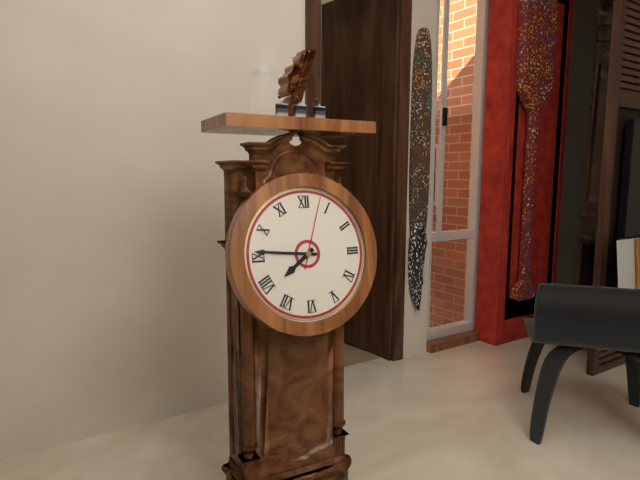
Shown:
7 h 46 min 03 s
